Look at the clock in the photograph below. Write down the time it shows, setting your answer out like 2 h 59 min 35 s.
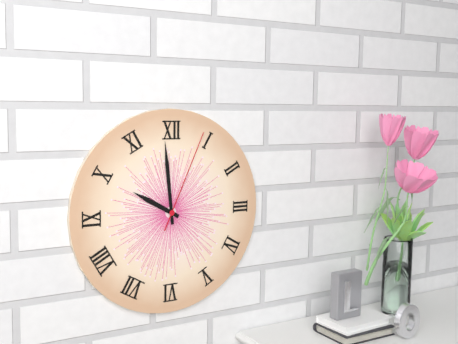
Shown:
9 h 59 min 04 s
